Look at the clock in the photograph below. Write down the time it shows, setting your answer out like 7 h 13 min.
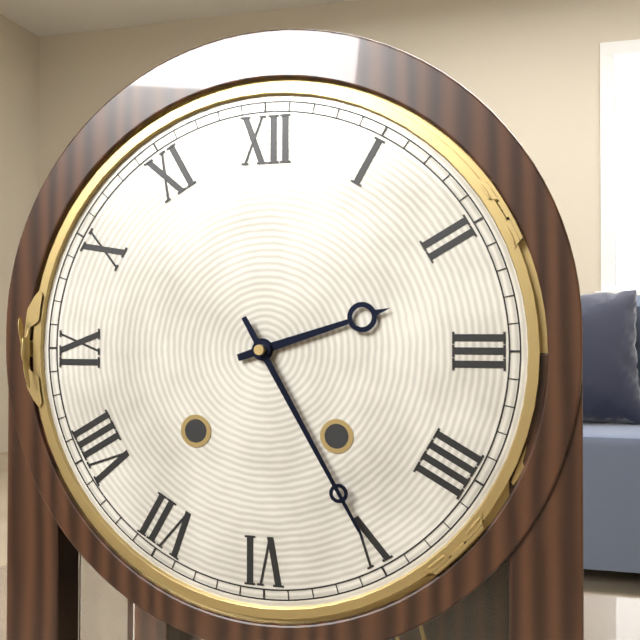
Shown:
2 h 25 min
